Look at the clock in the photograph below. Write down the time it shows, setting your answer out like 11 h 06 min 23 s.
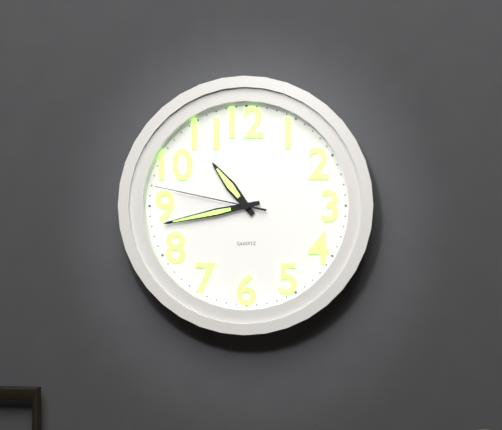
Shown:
10 h 43 min 47 s
